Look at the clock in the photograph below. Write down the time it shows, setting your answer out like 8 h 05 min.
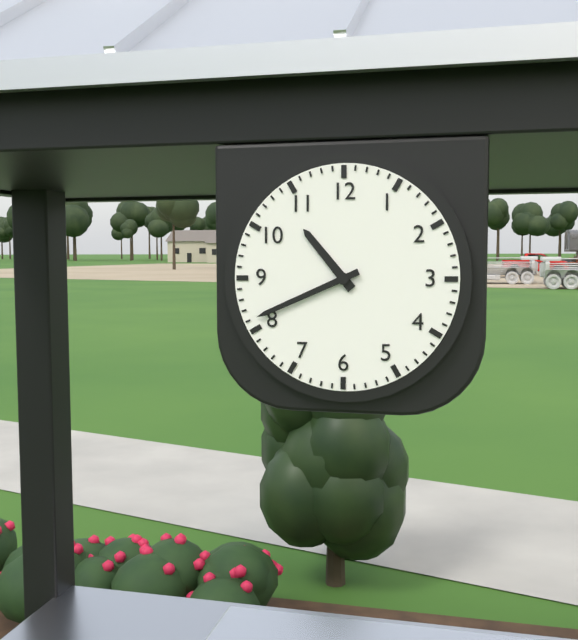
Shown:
10 h 41 min
